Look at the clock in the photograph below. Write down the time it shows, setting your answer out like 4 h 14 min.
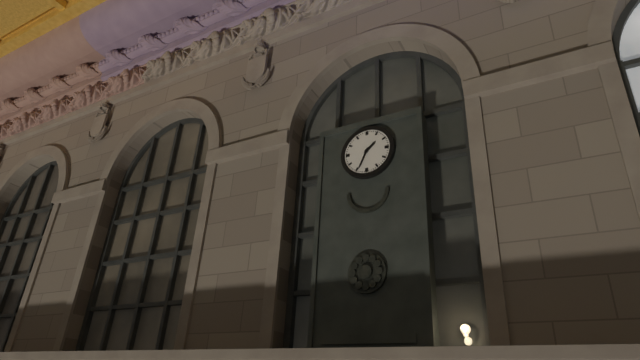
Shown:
1 h 34 min
